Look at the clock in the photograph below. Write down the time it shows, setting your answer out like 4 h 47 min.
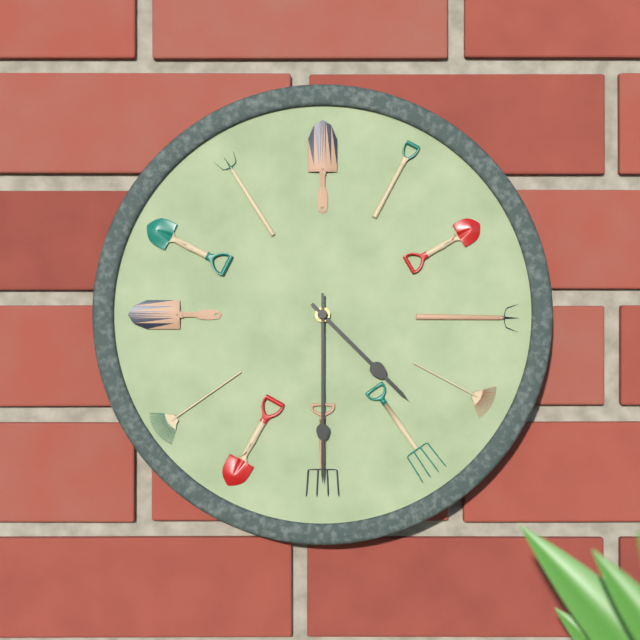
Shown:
4 h 30 min
